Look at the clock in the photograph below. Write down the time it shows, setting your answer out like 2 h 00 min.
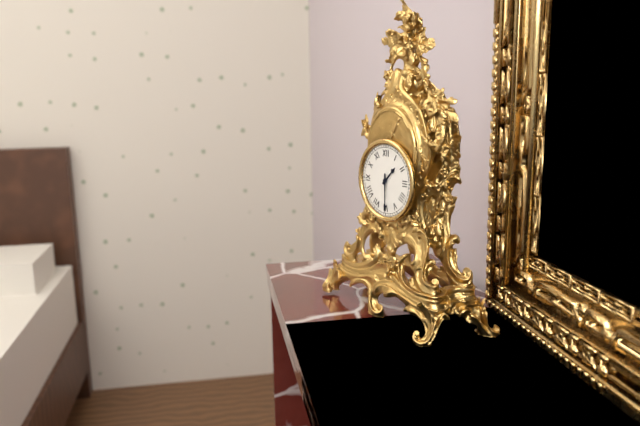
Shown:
1 h 30 min
